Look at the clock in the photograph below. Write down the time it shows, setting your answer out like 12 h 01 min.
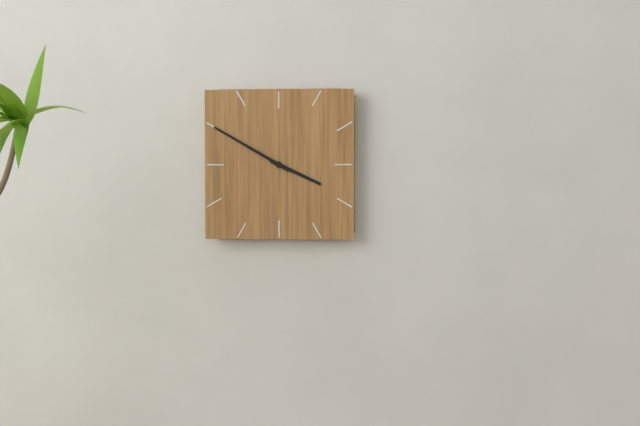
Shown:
3 h 50 min
